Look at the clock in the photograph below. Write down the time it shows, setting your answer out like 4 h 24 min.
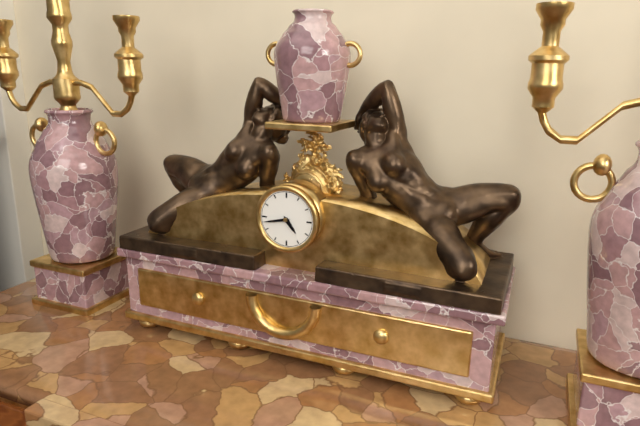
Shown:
4 h 43 min
